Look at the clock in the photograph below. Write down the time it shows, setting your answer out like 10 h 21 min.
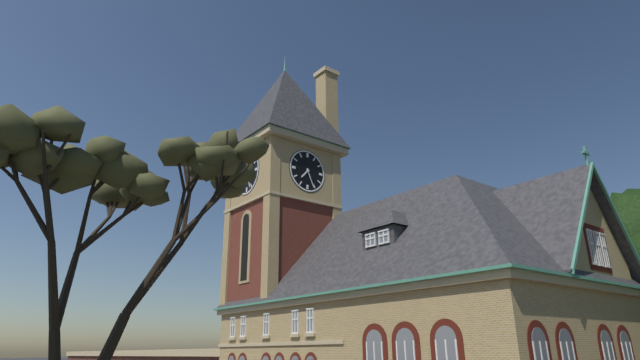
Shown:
7 h 26 min
